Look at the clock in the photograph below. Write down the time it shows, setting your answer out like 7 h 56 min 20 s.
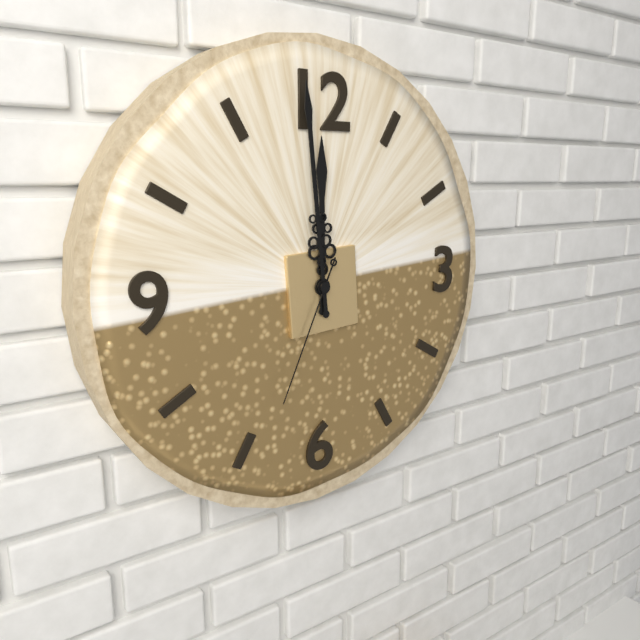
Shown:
11 h 59 min 34 s
